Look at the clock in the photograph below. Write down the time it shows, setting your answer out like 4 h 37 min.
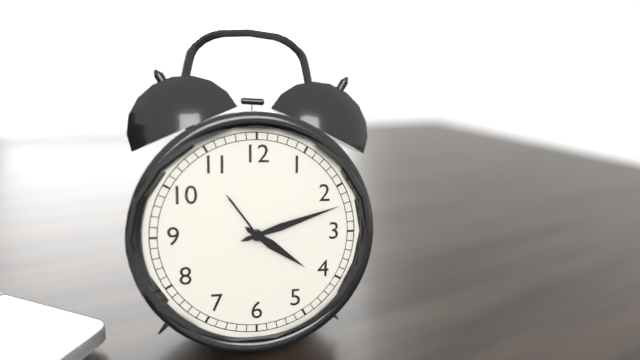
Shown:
4 h 12 min
